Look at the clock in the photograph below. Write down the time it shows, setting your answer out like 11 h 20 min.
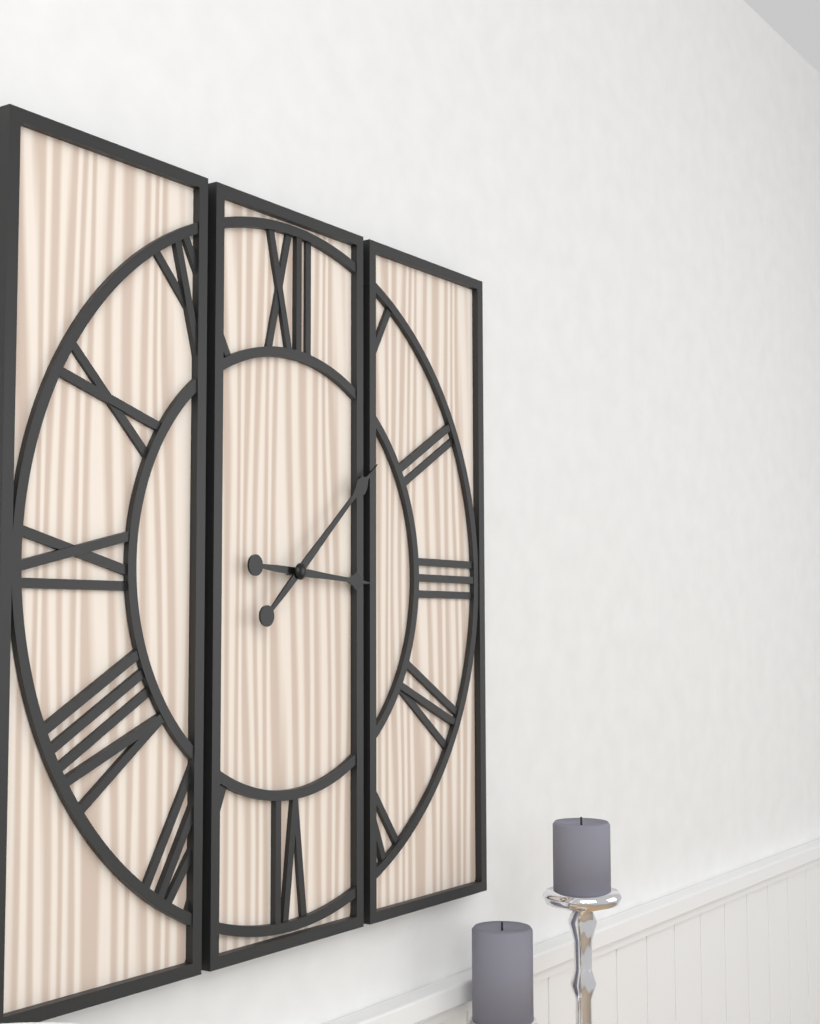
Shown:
3 h 08 min
